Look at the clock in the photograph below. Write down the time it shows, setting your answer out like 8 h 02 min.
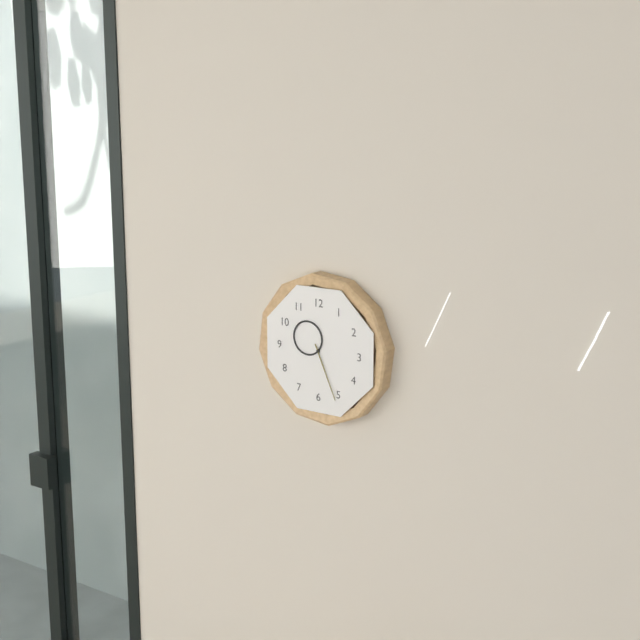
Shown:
10 h 26 min
